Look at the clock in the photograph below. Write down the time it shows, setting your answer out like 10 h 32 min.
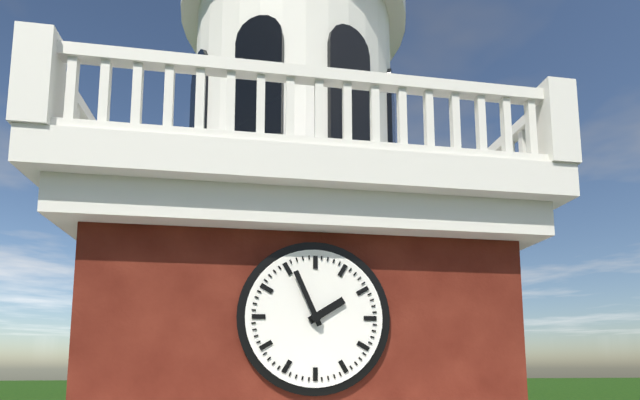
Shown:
1 h 56 min
